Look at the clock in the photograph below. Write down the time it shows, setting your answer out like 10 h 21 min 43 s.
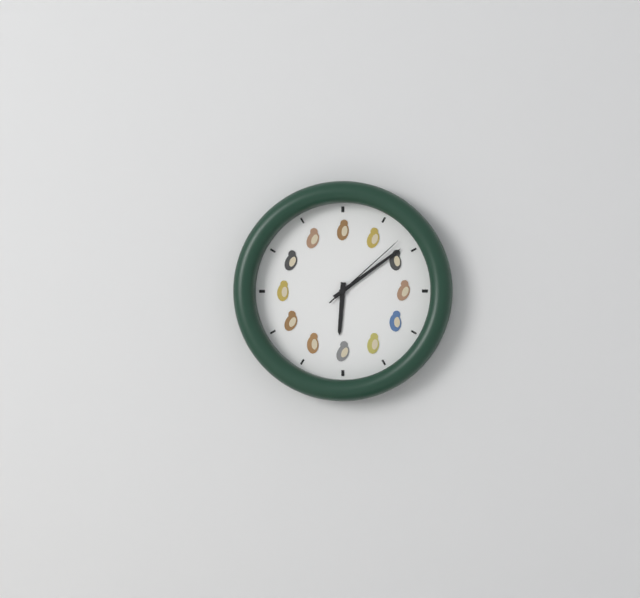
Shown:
6 h 09 min 08 s
